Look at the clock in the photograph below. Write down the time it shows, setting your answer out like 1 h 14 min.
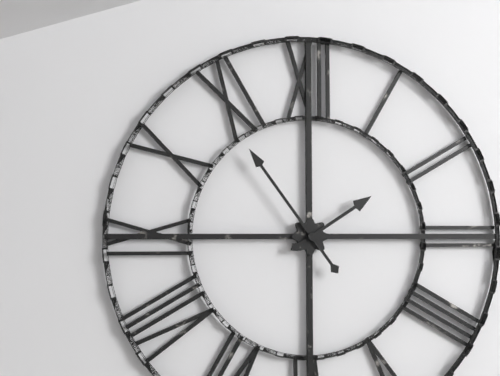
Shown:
1 h 54 min
